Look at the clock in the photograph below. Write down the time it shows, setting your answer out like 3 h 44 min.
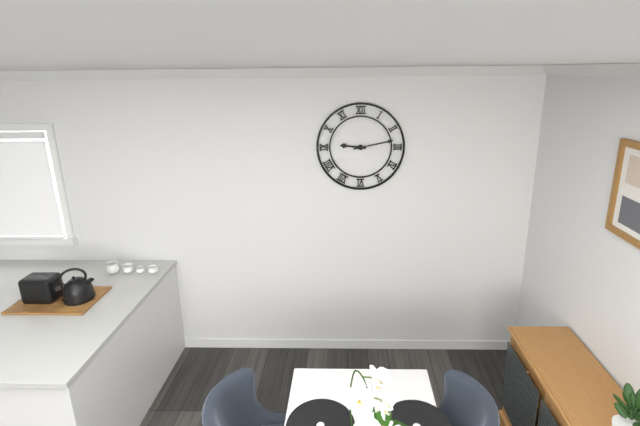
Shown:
9 h 13 min
